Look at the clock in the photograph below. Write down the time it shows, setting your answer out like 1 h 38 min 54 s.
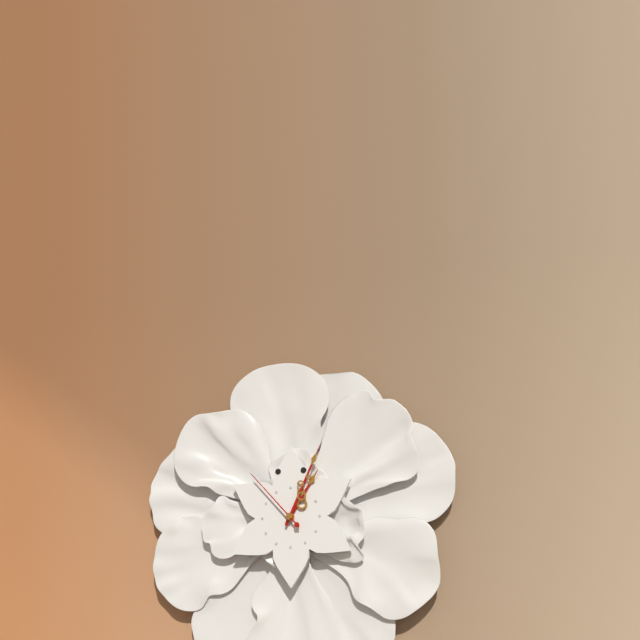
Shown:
1 h 04 min 53 s
